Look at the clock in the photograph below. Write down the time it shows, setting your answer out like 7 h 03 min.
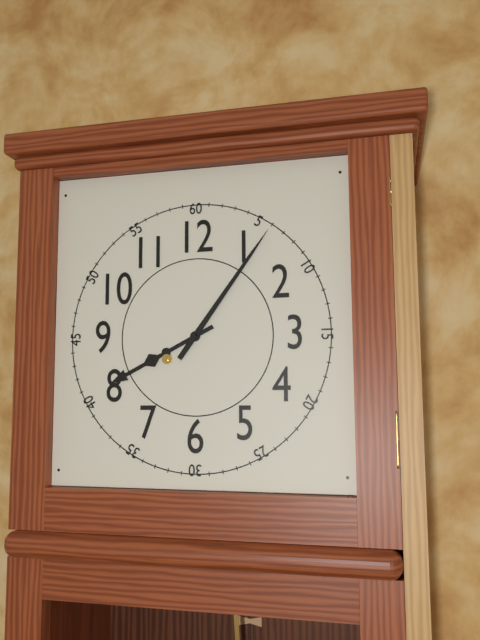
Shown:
8 h 06 min
